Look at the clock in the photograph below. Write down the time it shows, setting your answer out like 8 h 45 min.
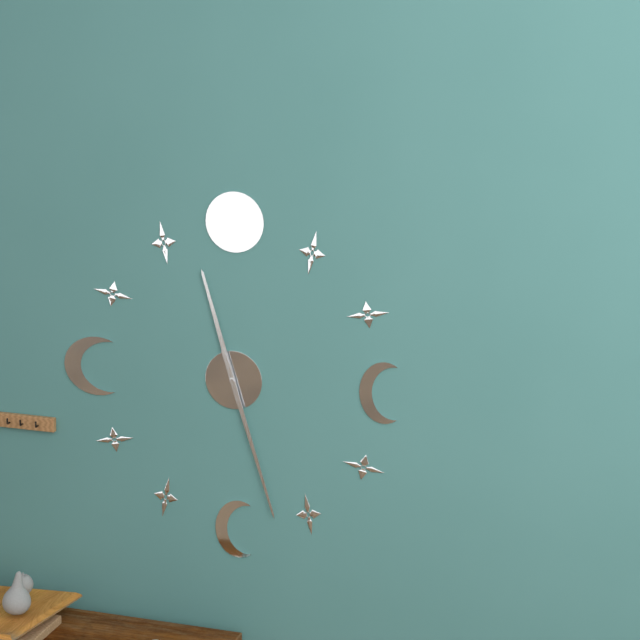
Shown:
11 h 27 min
